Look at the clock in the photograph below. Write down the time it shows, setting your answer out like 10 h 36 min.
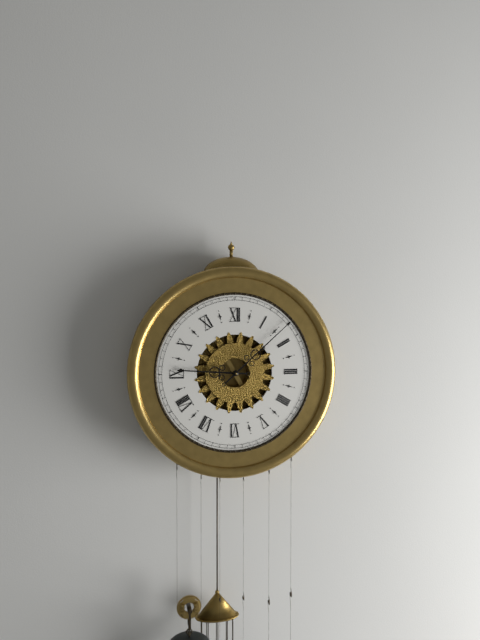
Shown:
9 h 08 min
